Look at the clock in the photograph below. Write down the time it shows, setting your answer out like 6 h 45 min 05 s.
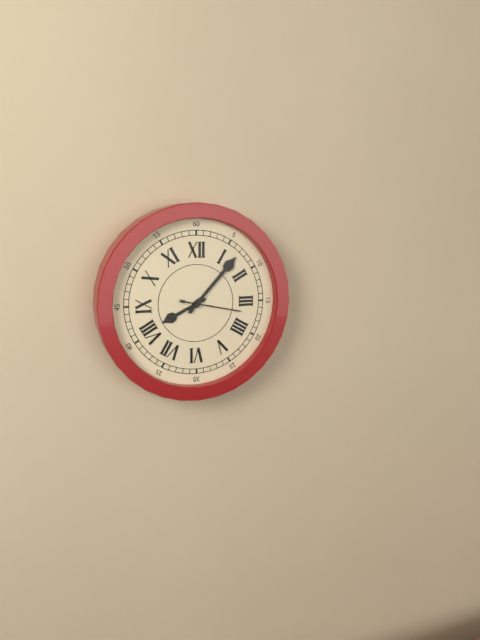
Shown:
8 h 07 min 17 s
